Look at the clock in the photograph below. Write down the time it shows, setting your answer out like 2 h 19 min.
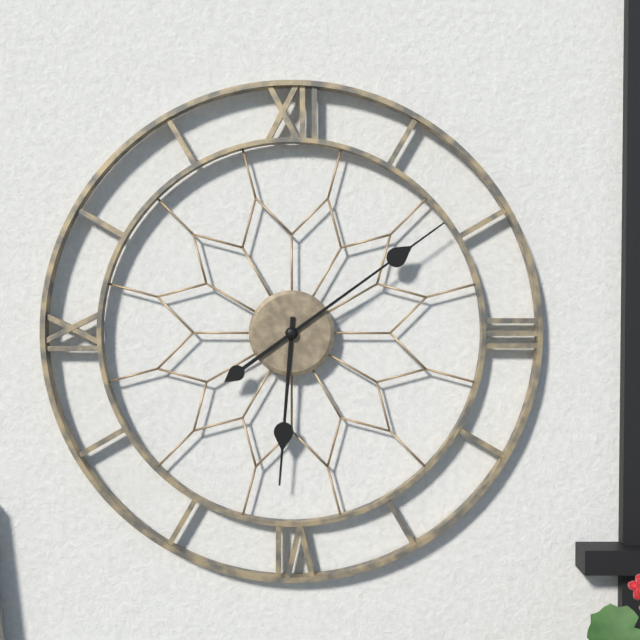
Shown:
6 h 09 min
